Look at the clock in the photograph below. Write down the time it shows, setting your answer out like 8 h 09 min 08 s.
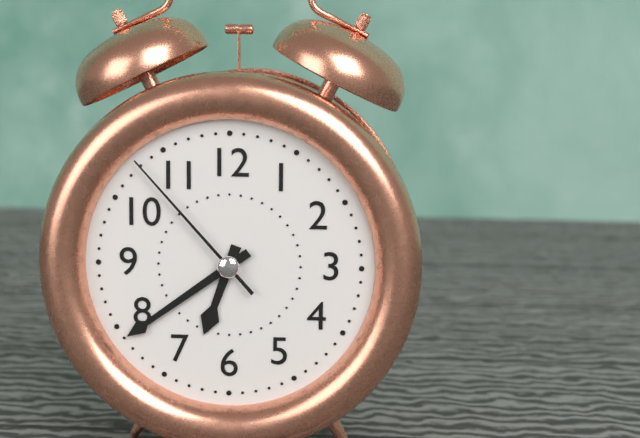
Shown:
6 h 39 min 53 s
